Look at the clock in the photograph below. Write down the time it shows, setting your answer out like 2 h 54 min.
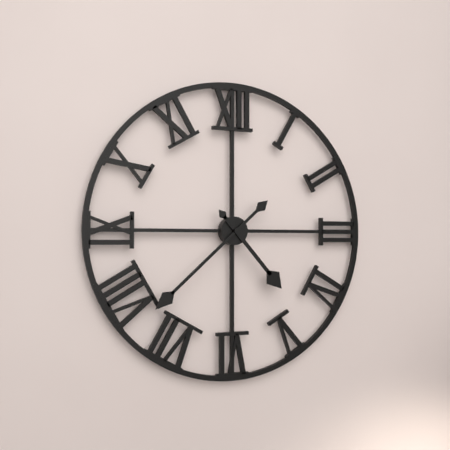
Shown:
4 h 38 min
